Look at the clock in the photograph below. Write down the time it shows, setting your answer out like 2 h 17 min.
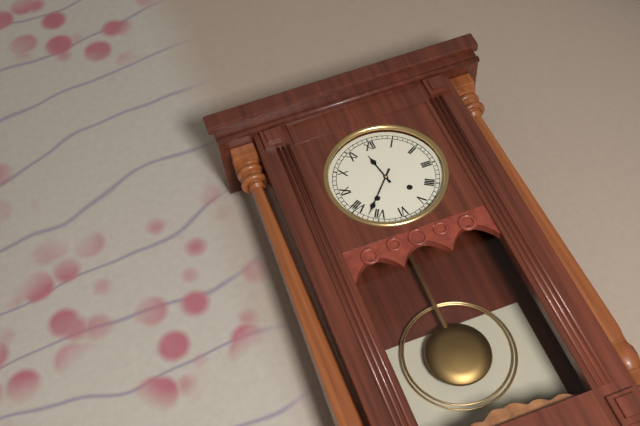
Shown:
11 h 37 min
